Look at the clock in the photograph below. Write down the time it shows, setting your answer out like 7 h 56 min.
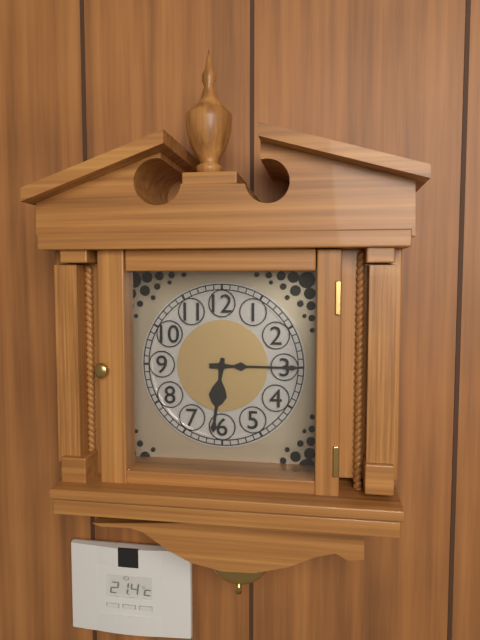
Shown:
6 h 15 min
